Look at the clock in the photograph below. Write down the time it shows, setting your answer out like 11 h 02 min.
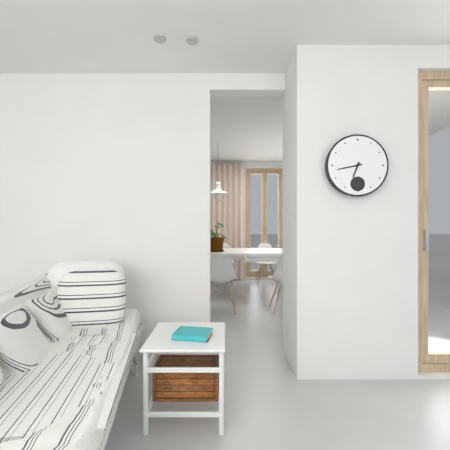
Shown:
6 h 43 min
